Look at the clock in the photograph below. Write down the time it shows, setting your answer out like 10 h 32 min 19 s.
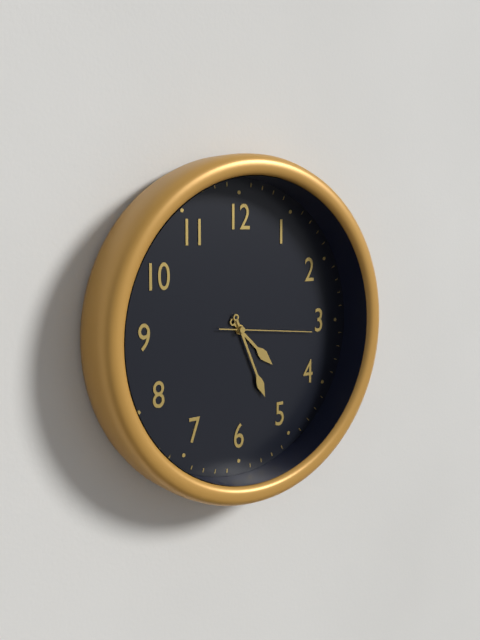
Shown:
4 h 26 min 16 s
